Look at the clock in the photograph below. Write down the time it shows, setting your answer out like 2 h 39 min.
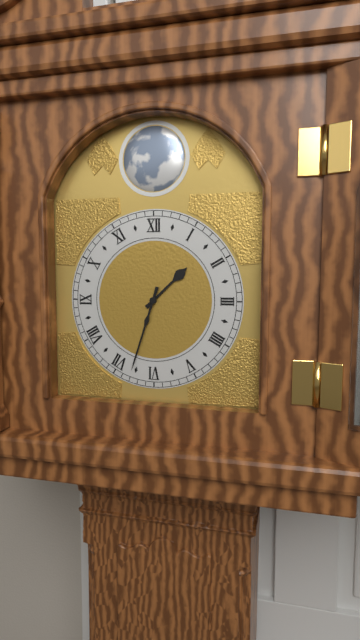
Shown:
1 h 33 min
